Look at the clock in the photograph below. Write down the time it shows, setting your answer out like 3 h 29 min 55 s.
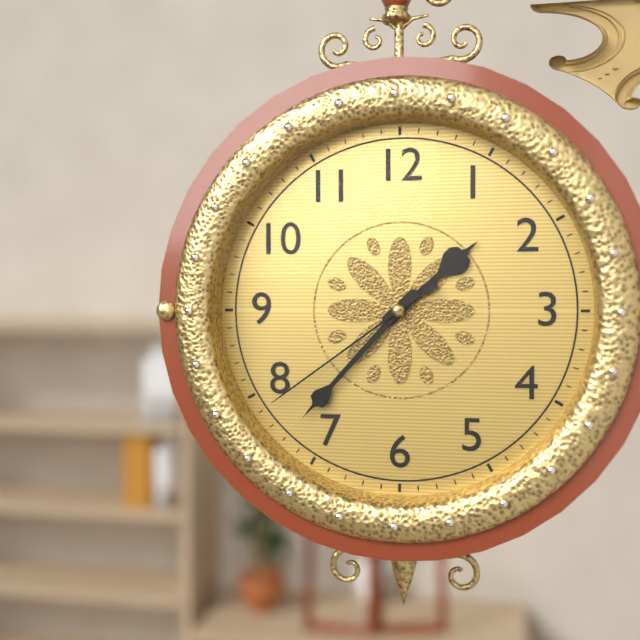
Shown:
1 h 37 min 39 s
